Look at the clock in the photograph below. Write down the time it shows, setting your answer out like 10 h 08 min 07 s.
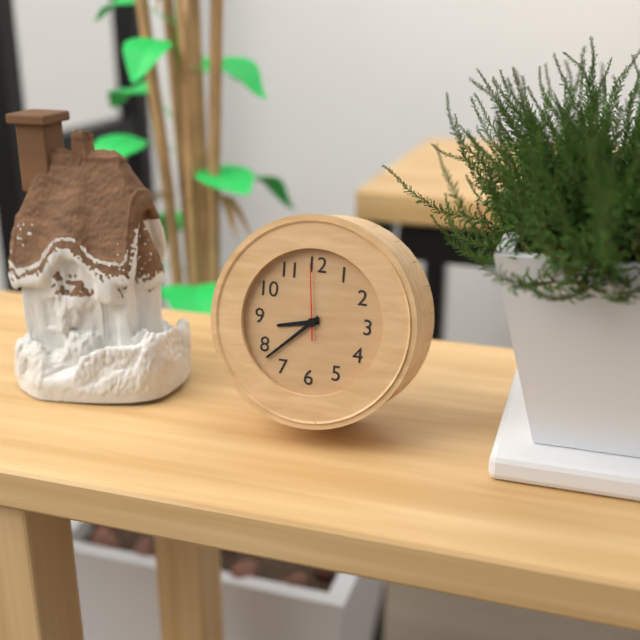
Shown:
8 h 38 min 59 s
